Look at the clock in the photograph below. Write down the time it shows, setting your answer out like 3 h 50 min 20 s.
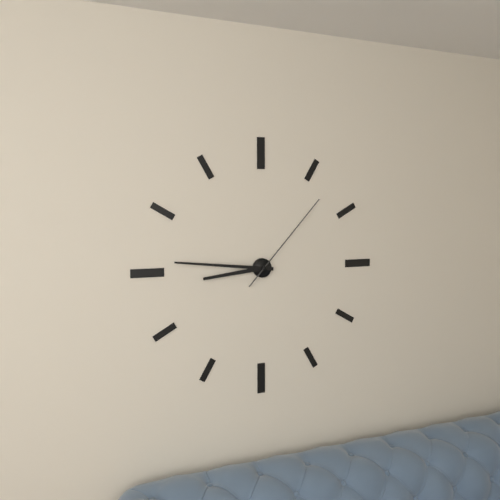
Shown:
8 h 46 min 07 s
